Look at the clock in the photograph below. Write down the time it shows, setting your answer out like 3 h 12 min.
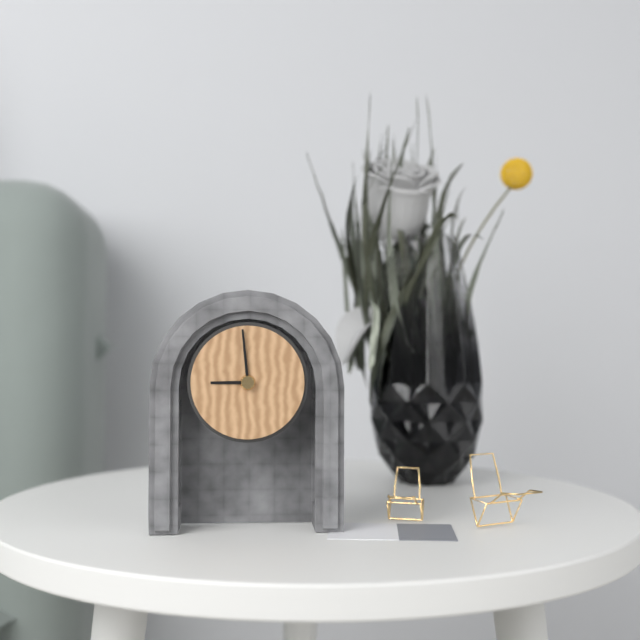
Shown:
8 h 59 min
